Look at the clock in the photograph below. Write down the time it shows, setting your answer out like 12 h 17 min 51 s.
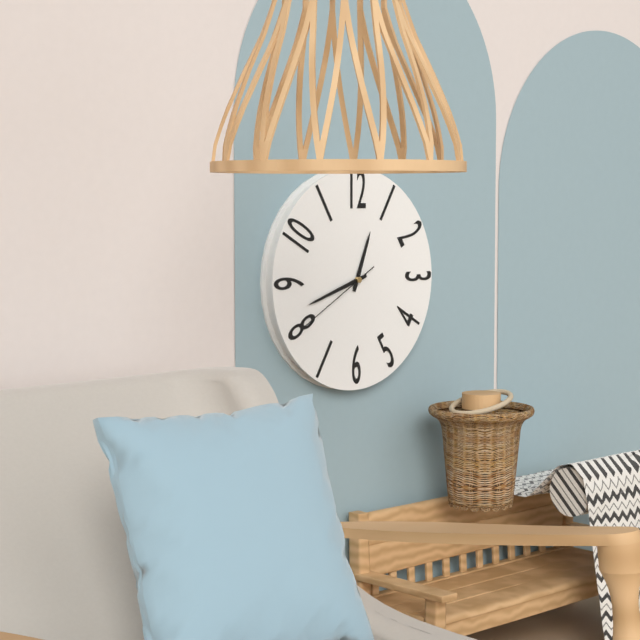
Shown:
12 h 42 min 40 s
